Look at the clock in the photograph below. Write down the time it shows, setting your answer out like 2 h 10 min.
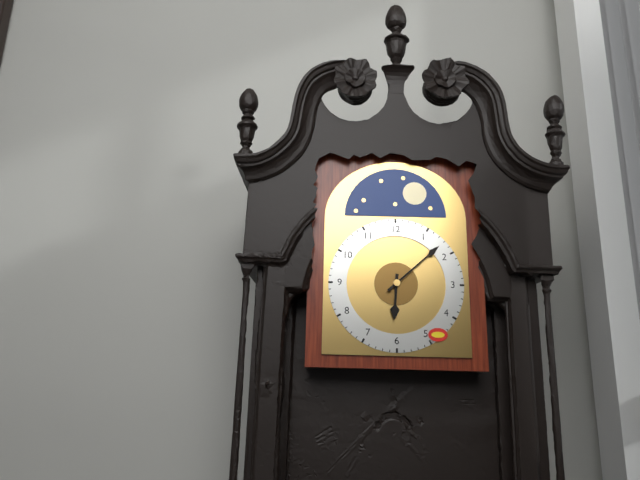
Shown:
6 h 08 min
